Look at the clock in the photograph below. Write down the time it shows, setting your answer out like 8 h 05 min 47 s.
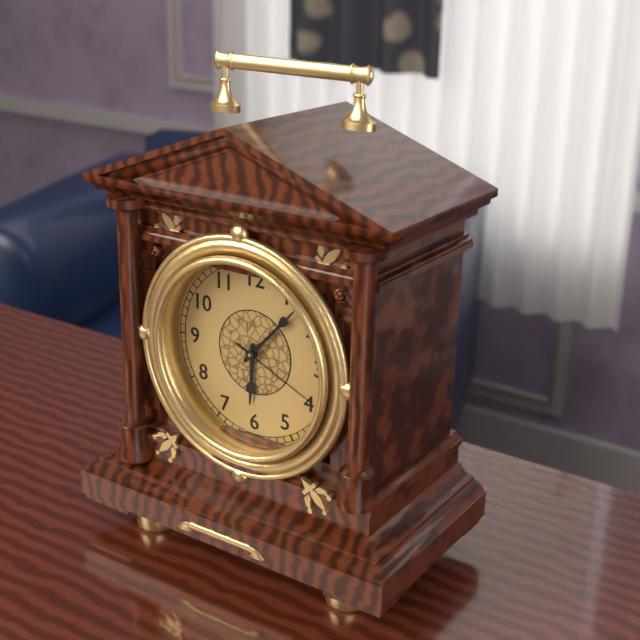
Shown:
6 h 07 min 19 s
